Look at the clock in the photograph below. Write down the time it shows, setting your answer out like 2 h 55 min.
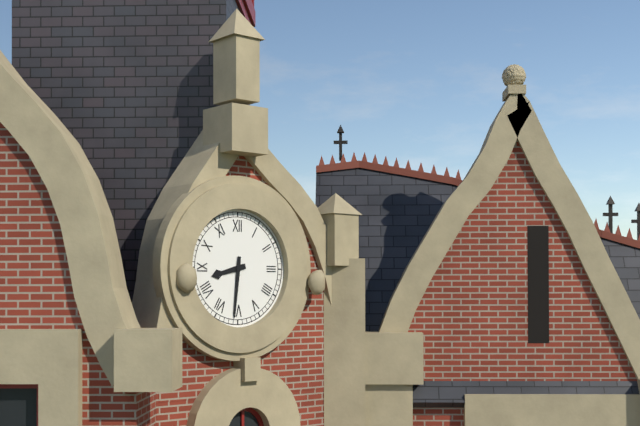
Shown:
8 h 31 min
